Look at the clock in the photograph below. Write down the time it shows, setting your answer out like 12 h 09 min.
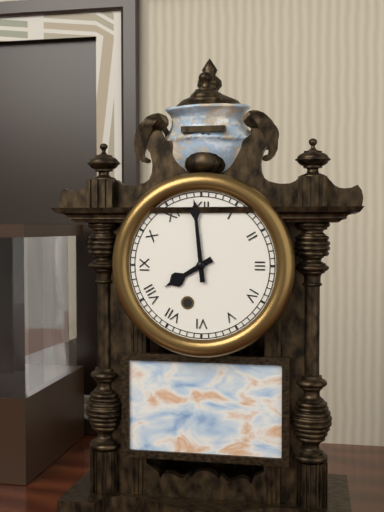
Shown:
7 h 59 min
